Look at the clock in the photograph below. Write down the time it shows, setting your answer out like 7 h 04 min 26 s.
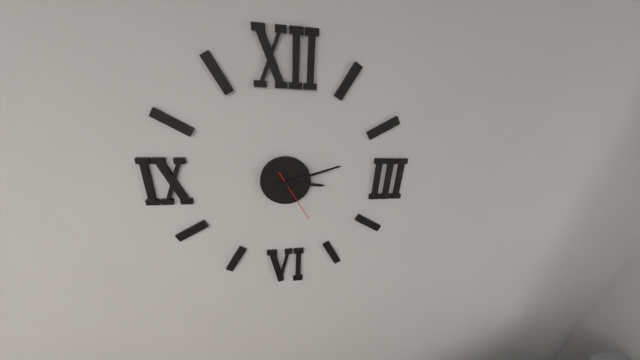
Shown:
3 h 12 min 25 s
